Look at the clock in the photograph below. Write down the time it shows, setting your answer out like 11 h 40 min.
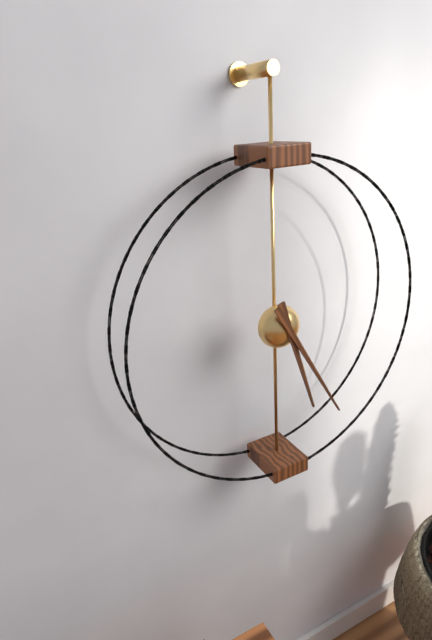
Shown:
5 h 25 min
